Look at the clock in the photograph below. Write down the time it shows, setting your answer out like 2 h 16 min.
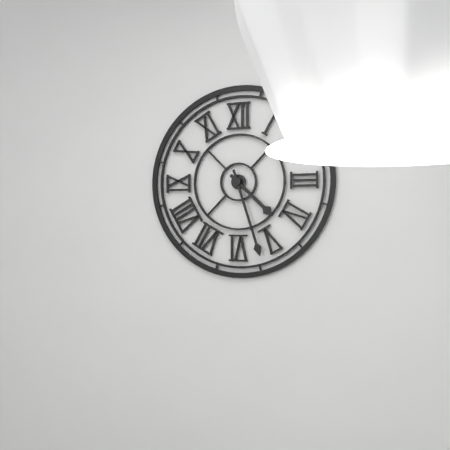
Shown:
4 h 27 min
